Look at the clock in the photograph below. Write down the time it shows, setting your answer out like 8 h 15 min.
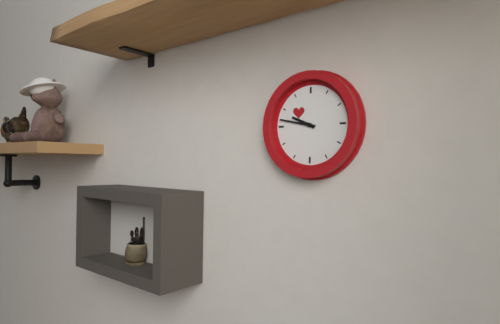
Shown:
9 h 47 min
